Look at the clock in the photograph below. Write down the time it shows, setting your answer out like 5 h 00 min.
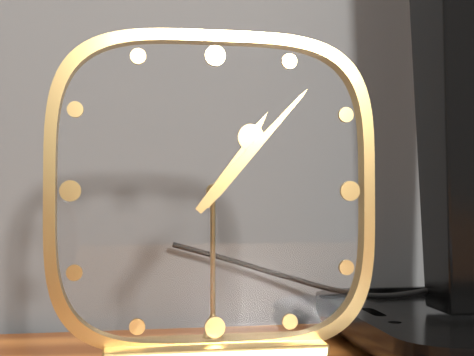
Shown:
1 h 07 min
